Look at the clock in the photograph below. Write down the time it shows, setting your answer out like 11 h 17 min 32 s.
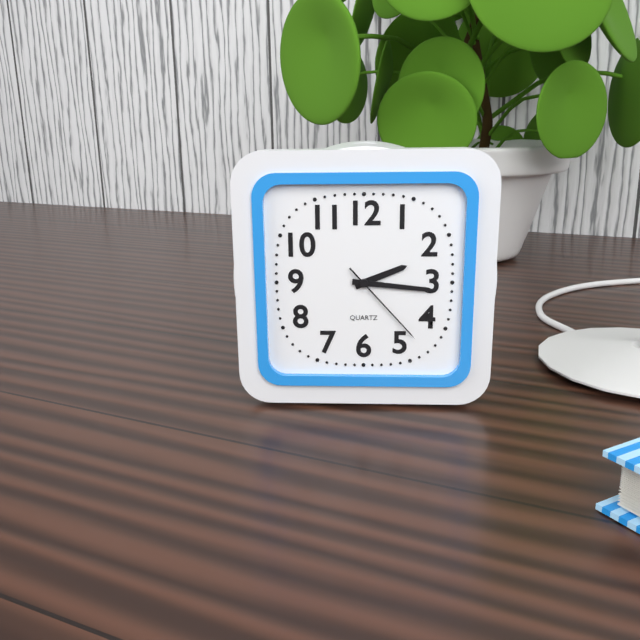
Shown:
2 h 16 min 23 s
